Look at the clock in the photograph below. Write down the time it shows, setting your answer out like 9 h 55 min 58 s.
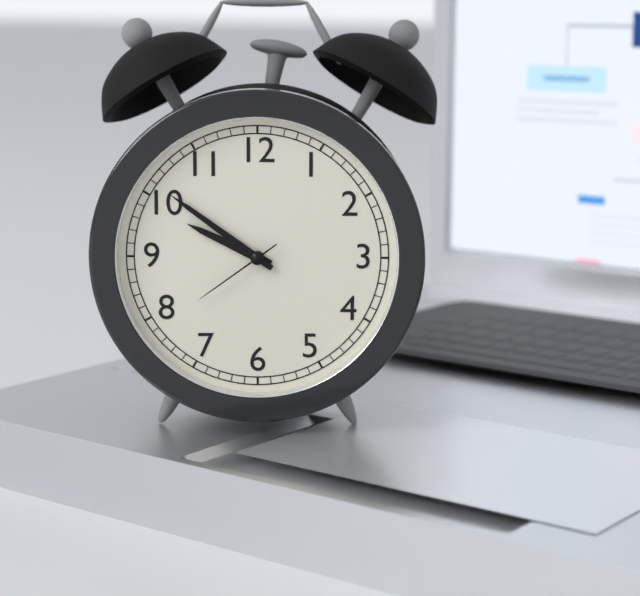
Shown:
9 h 51 min 39 s
